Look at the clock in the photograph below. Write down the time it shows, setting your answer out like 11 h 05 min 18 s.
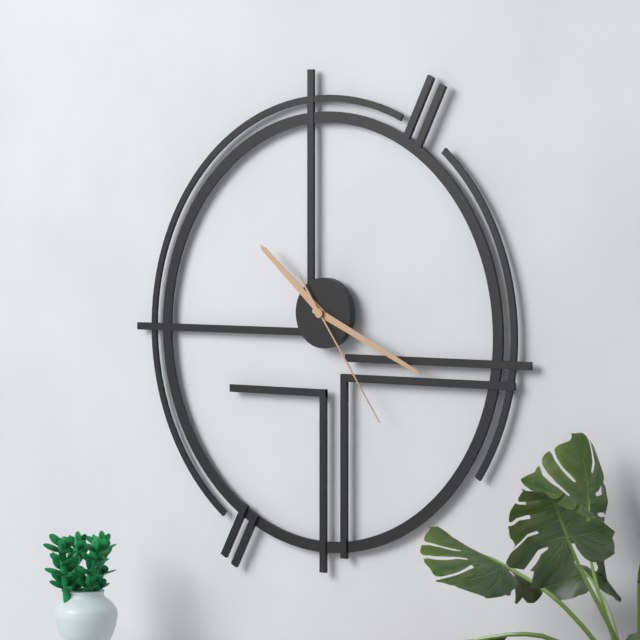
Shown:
10 h 19 min 24 s
